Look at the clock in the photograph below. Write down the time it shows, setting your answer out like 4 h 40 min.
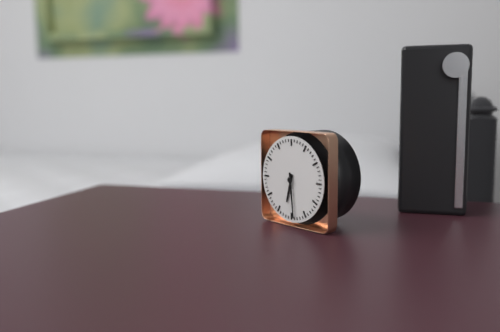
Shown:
6 h 29 min
